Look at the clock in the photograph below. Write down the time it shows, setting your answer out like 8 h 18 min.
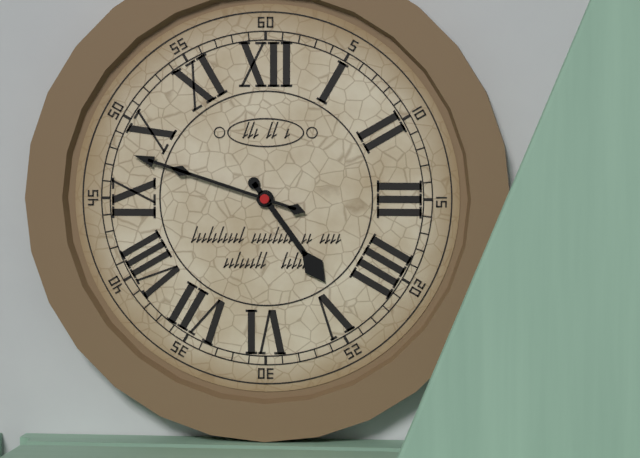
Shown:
4 h 48 min
